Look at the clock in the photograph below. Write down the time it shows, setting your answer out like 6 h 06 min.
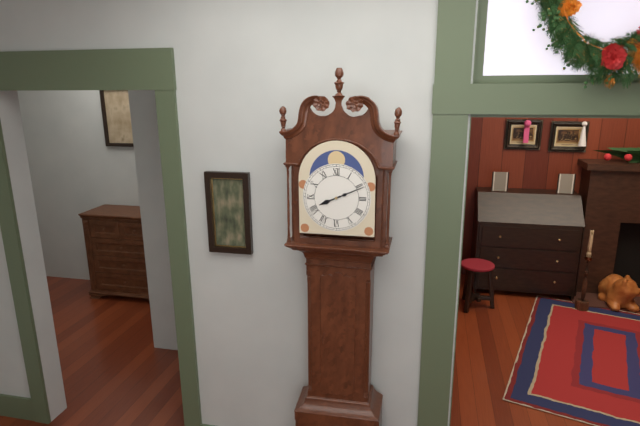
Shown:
8 h 11 min
